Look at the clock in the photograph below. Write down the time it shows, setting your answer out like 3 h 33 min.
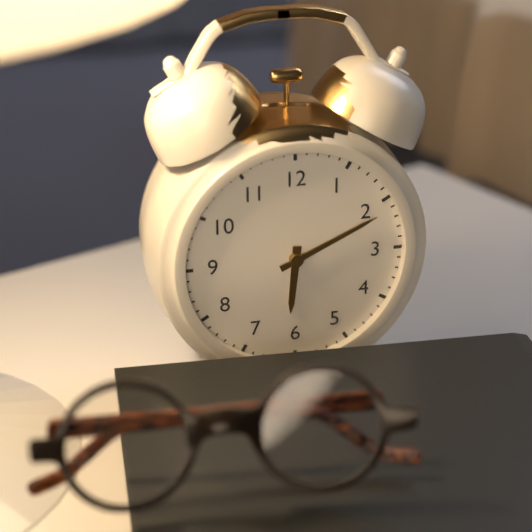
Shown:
6 h 11 min
